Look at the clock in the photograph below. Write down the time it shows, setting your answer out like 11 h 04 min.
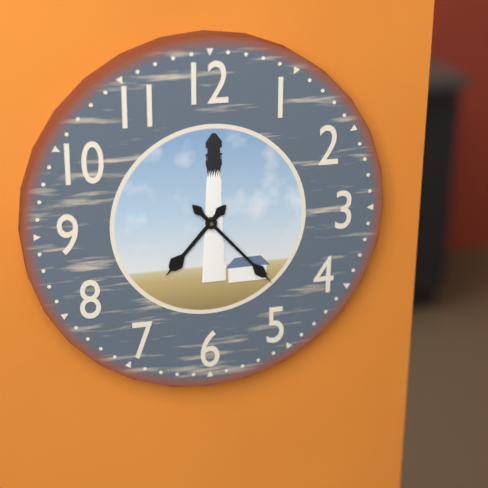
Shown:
7 h 23 min
